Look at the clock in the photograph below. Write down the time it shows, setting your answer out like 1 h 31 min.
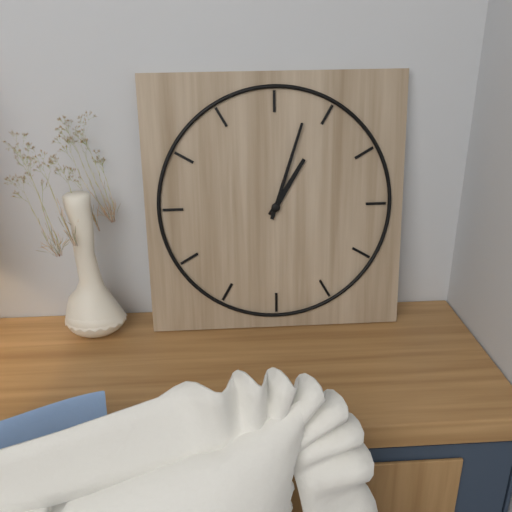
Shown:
1 h 03 min
